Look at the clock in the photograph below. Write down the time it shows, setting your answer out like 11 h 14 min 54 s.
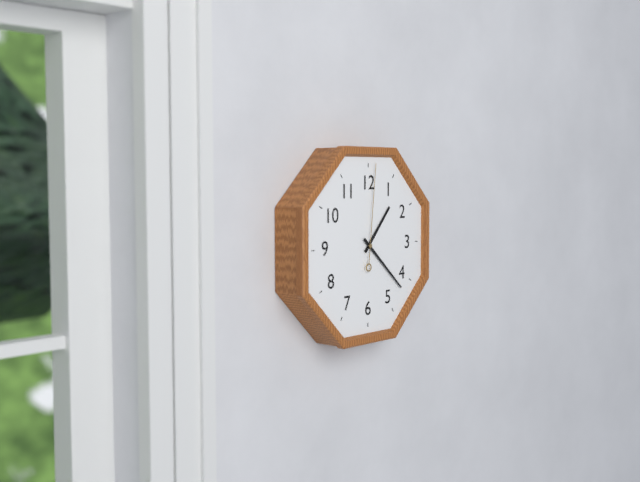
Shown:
1 h 22 min 01 s
